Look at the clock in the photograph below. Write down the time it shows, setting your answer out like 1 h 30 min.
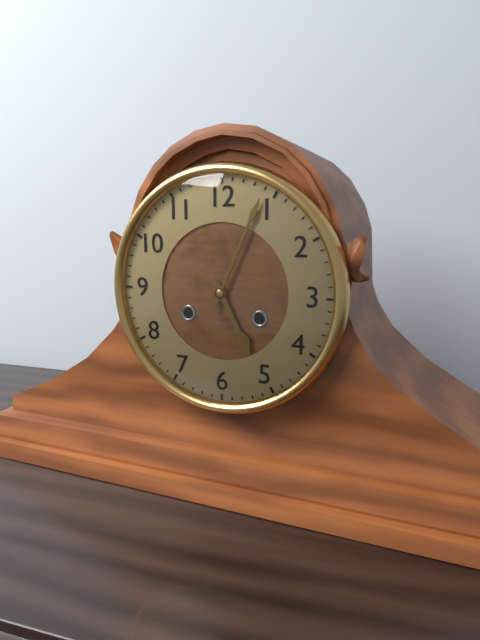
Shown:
5 h 04 min
